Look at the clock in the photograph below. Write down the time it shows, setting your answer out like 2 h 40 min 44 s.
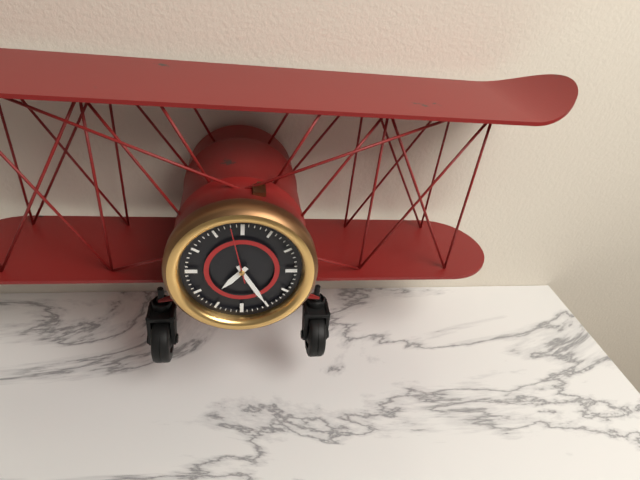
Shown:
7 h 25 min 58 s
